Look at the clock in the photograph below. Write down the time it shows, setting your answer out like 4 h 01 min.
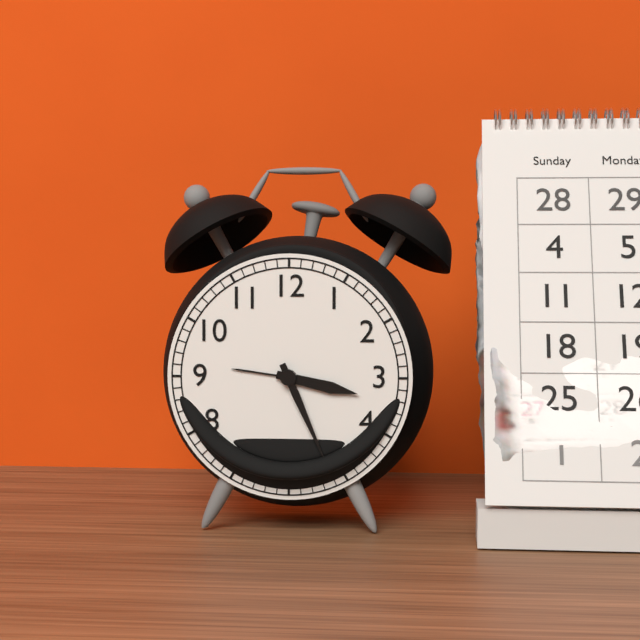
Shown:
3 h 26 min
